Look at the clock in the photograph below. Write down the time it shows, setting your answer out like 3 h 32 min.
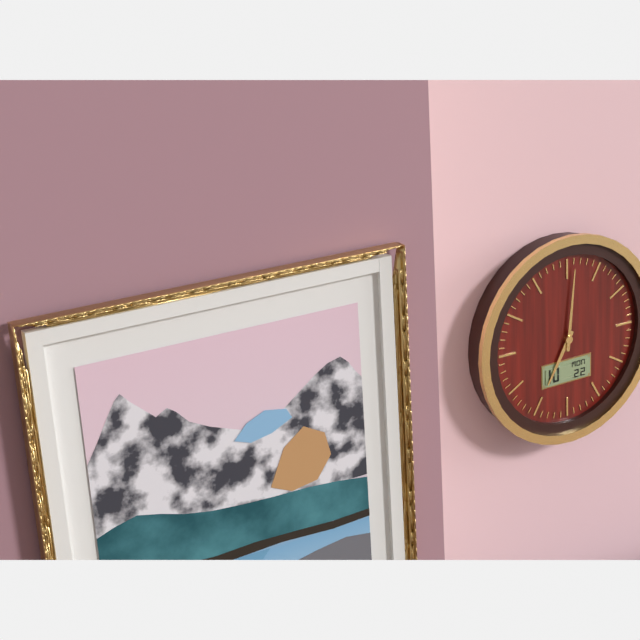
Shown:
7 h 01 min
